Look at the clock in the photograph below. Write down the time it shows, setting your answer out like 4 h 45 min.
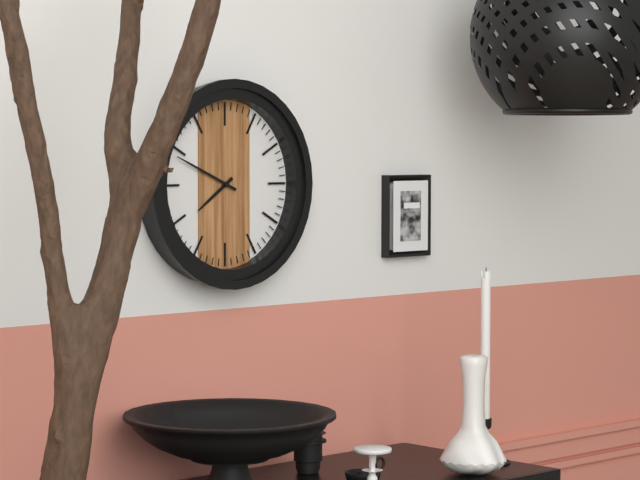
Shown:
7 h 49 min
